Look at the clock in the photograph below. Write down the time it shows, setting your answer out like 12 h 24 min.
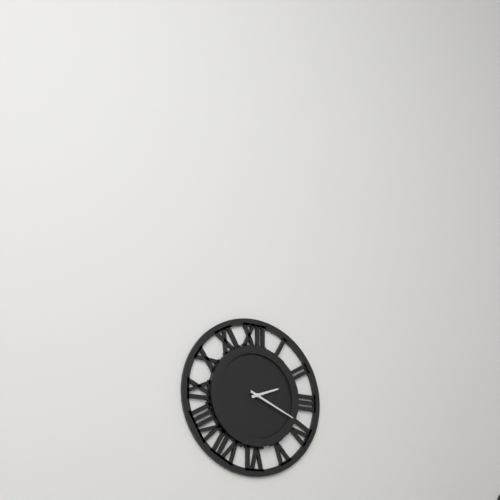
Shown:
2 h 19 min
